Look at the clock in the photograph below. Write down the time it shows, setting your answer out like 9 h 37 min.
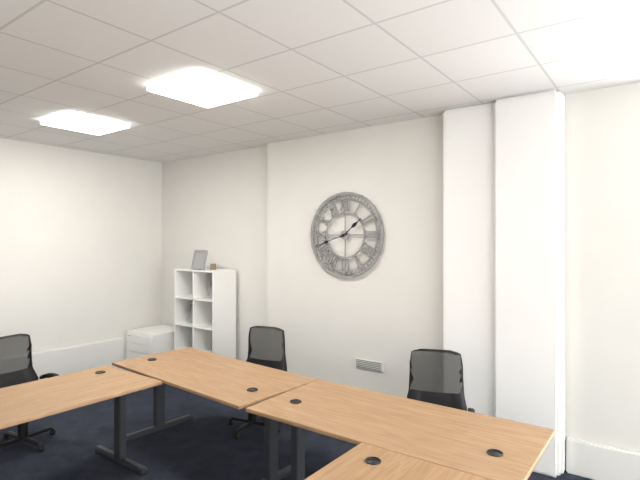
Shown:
1 h 42 min
